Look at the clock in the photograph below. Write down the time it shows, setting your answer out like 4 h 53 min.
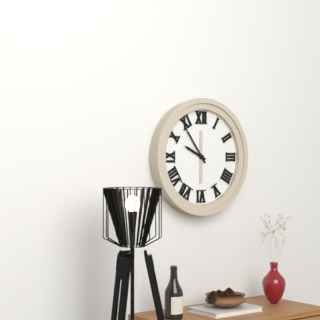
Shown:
9 h 54 min
